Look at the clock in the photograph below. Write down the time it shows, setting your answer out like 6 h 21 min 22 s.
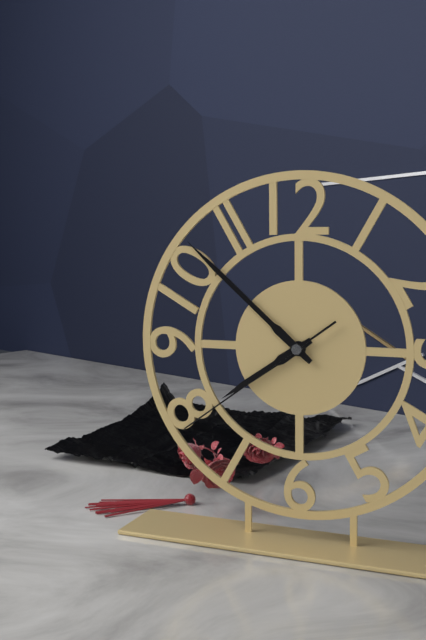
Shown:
7 h 52 min 39 s
